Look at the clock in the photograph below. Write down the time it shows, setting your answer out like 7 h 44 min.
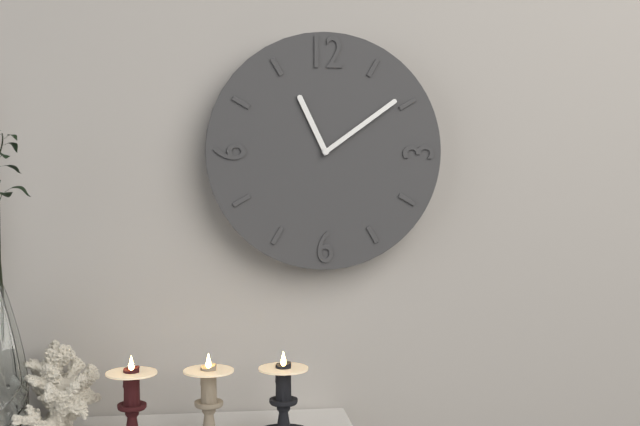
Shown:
11 h 09 min
